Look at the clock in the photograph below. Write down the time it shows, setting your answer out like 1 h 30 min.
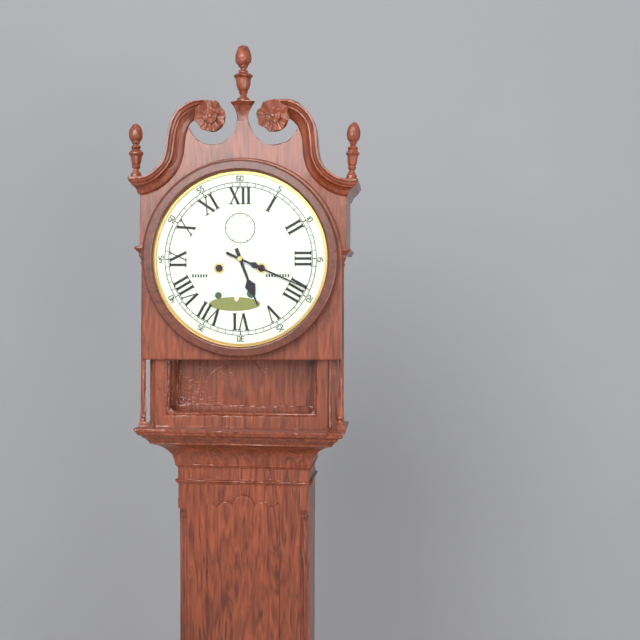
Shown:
5 h 19 min
